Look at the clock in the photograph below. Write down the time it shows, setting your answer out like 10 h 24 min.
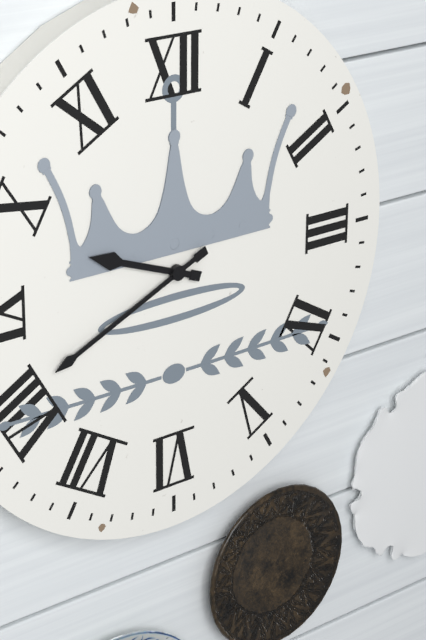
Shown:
9 h 41 min
